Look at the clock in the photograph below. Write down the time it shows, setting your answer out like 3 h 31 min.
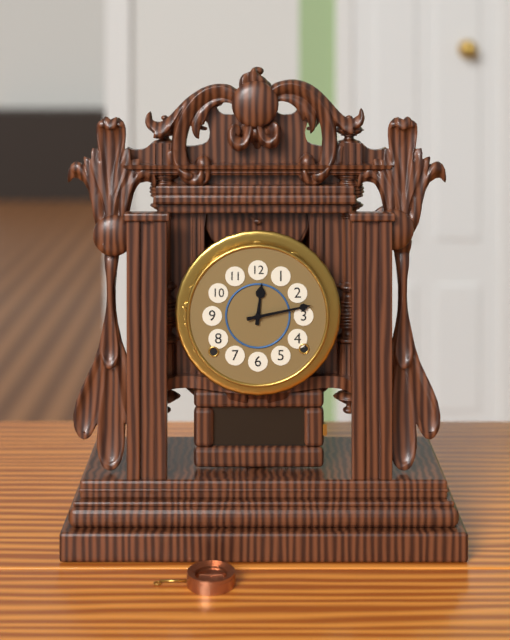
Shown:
12 h 13 min
